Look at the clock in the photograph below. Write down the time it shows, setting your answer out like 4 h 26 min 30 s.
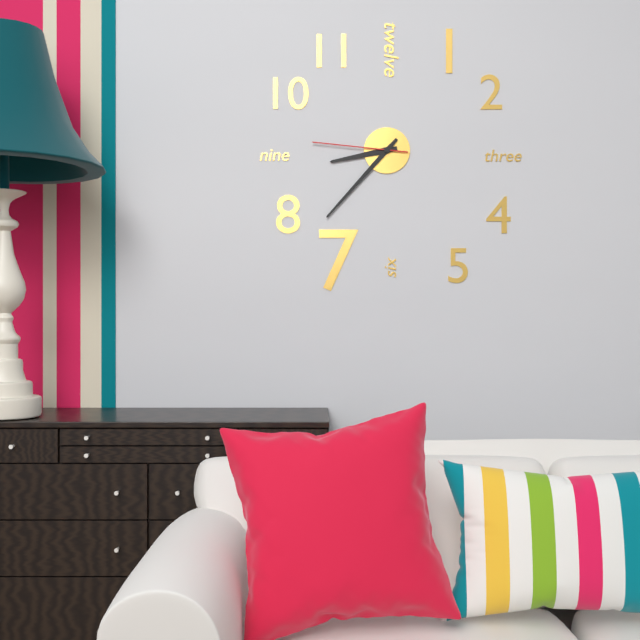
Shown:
8 h 37 min 46 s
